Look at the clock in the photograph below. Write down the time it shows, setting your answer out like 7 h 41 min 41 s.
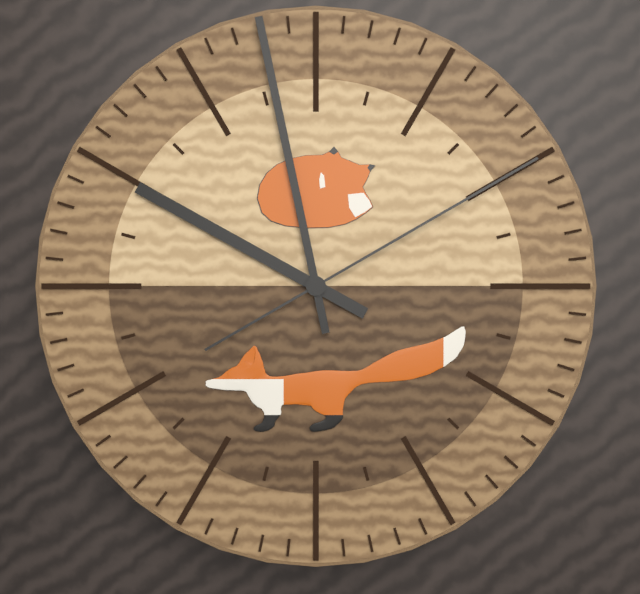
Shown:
9 h 58 min 10 s
